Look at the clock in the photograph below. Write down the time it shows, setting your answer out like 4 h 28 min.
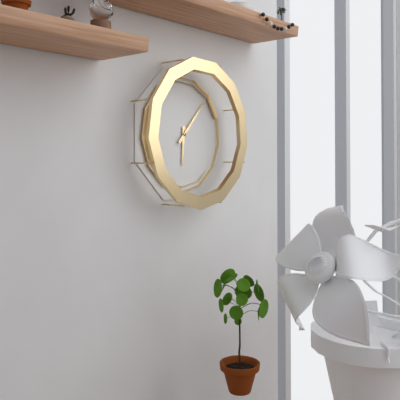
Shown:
6 h 07 min
